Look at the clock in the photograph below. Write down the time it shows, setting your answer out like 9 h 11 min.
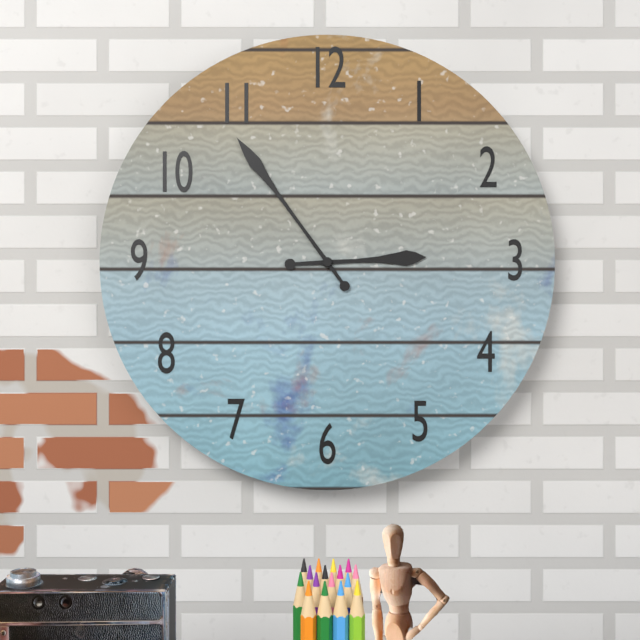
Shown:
2 h 54 min
